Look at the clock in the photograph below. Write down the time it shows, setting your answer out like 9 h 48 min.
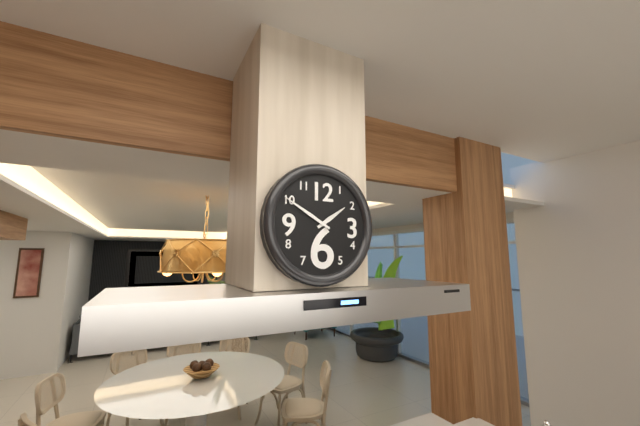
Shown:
1 h 50 min
